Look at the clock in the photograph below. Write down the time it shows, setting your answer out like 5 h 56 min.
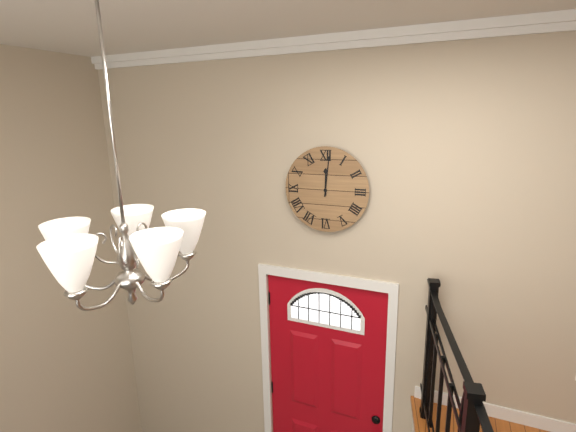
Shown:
12 h 01 min
